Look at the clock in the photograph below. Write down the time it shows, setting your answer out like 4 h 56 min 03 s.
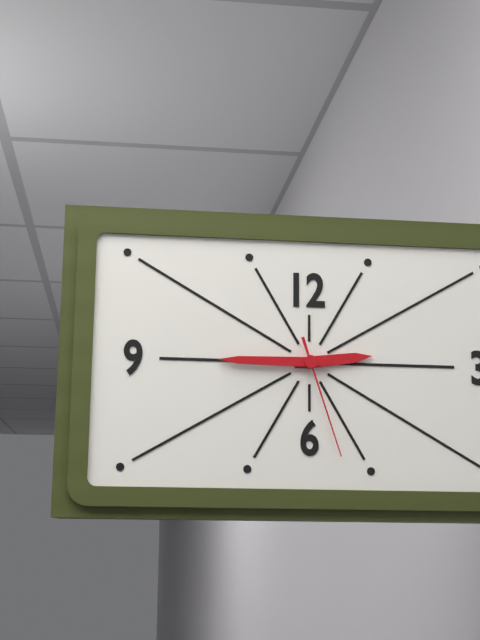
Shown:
2 h 45 min 27 s
